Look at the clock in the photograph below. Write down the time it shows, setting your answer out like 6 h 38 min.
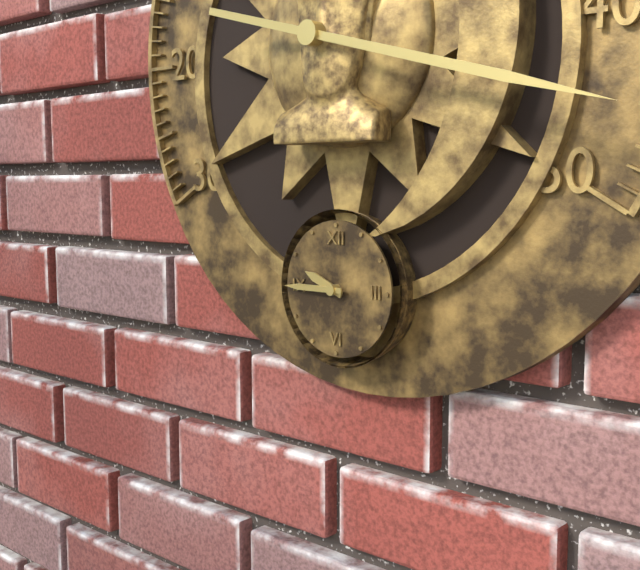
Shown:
9 h 45 min
